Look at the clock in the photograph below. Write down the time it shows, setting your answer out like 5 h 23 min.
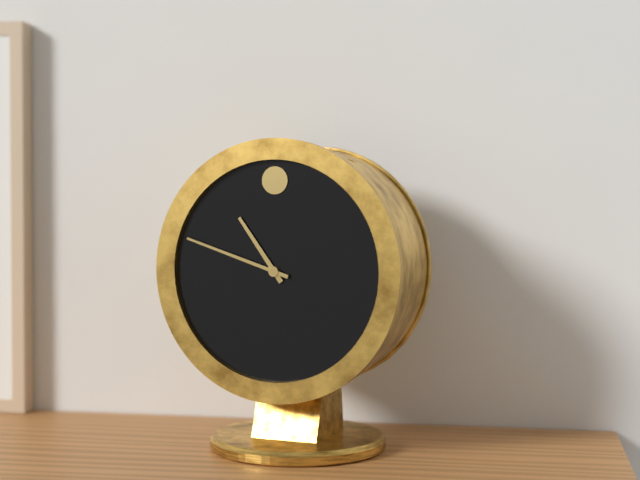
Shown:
10 h 48 min
